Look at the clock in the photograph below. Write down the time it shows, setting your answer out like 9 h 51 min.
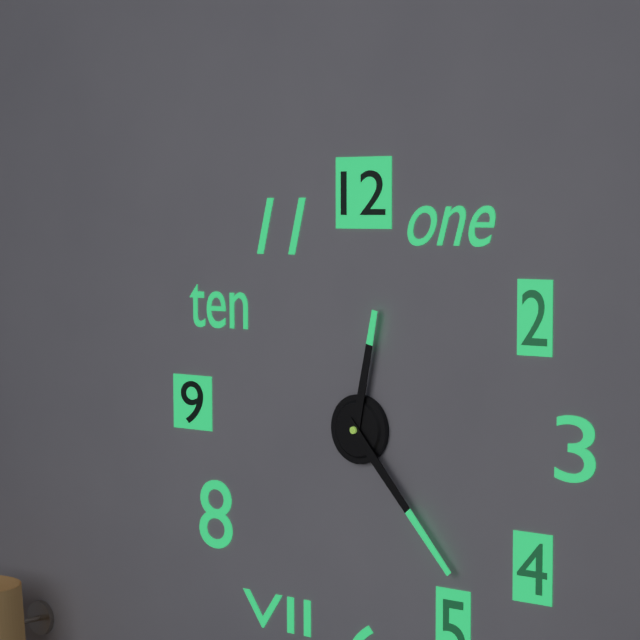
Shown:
12 h 23 min
